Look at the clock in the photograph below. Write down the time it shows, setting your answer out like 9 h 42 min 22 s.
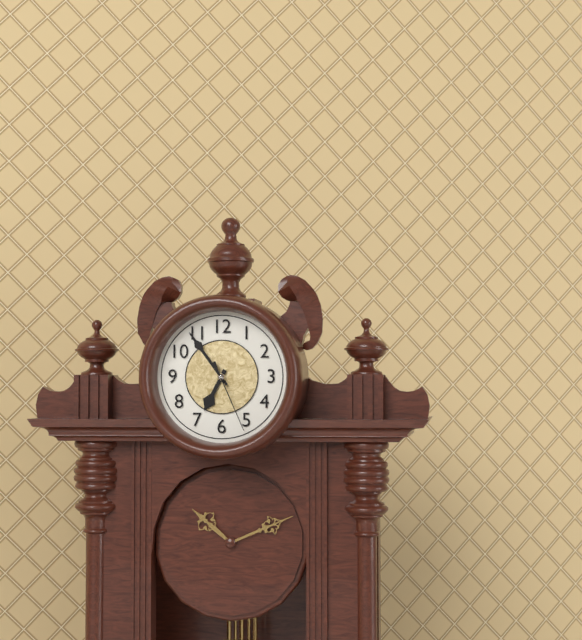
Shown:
6 h 54 min 26 s
